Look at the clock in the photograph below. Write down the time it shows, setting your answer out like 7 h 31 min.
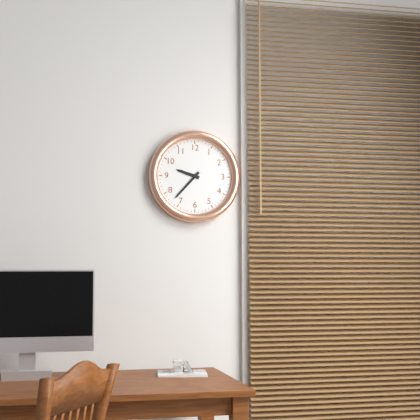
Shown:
9 h 37 min
